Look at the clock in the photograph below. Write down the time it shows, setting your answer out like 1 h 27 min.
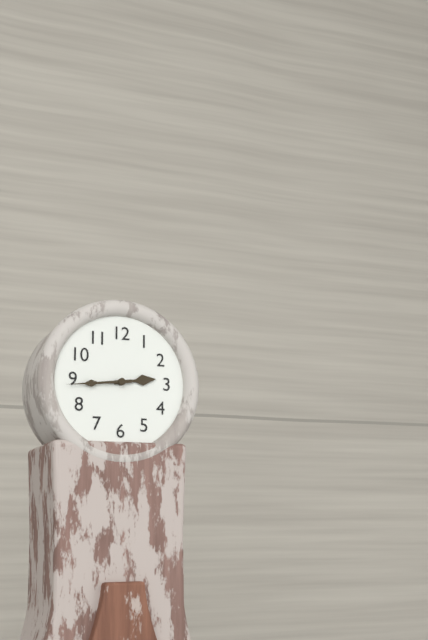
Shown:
2 h 44 min
